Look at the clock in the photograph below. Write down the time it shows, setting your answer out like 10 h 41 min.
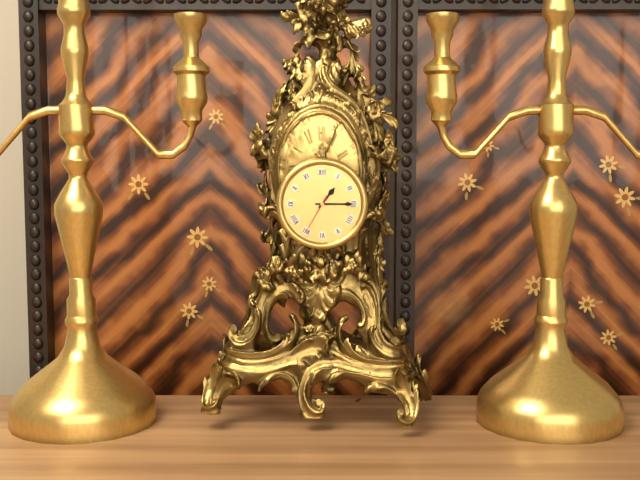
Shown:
1 h 15 min
